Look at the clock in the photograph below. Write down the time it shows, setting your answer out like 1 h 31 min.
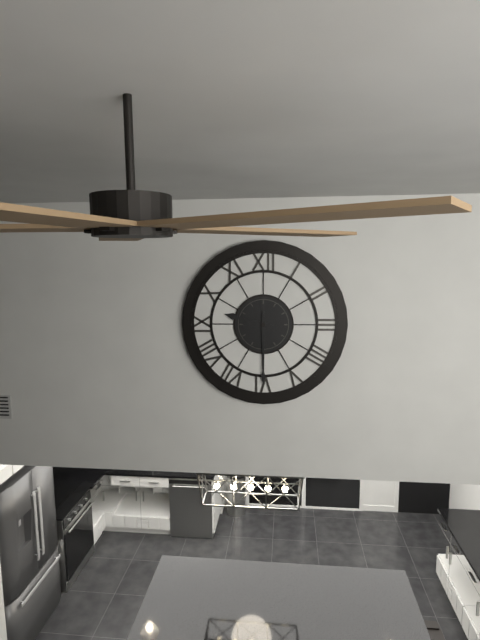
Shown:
9 h 30 min
